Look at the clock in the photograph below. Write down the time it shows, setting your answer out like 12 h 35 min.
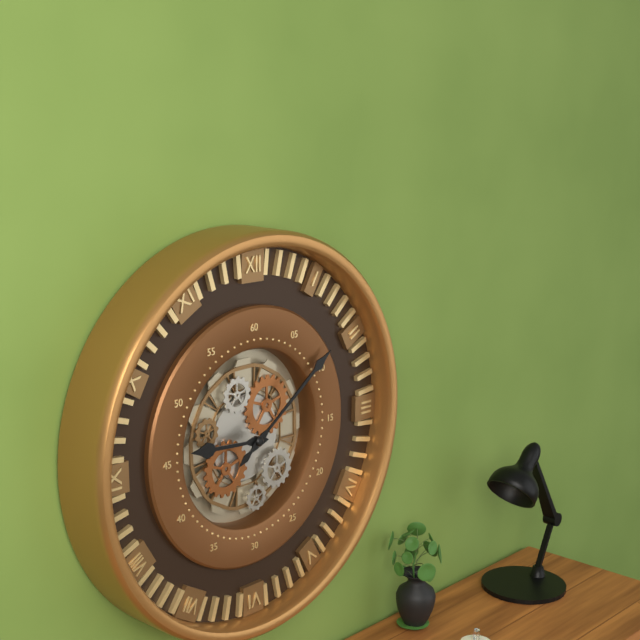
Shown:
9 h 09 min
